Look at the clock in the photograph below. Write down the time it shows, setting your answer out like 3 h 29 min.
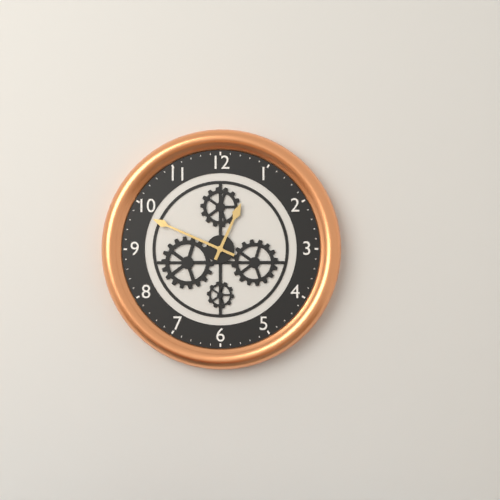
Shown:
12 h 49 min
